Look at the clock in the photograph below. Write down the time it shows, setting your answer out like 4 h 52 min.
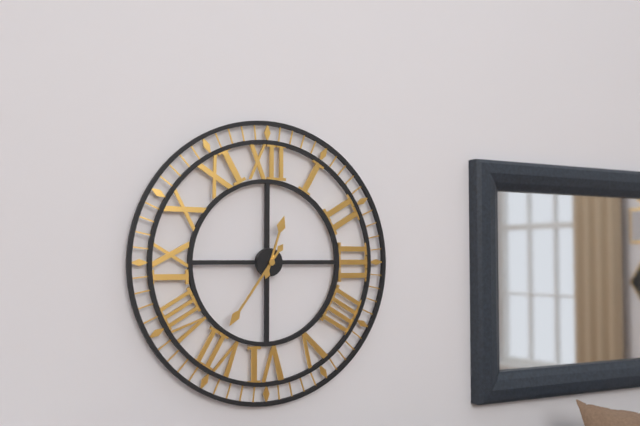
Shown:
12 h 36 min
